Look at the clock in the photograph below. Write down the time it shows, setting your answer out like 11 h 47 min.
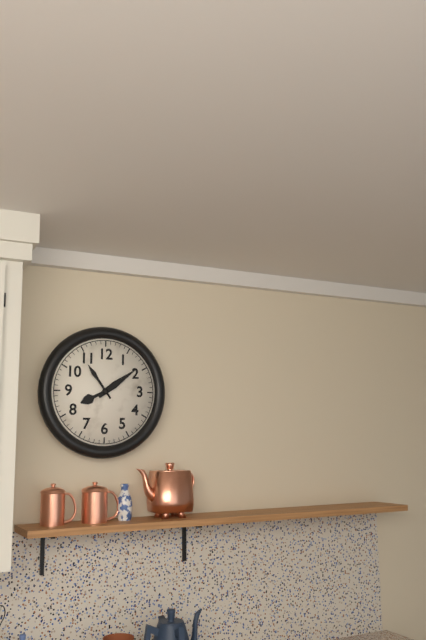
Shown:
8 h 09 min
